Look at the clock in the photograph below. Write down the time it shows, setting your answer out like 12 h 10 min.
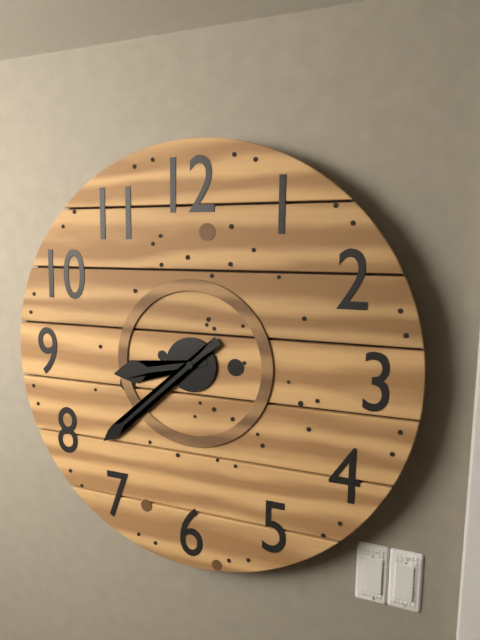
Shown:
8 h 38 min
